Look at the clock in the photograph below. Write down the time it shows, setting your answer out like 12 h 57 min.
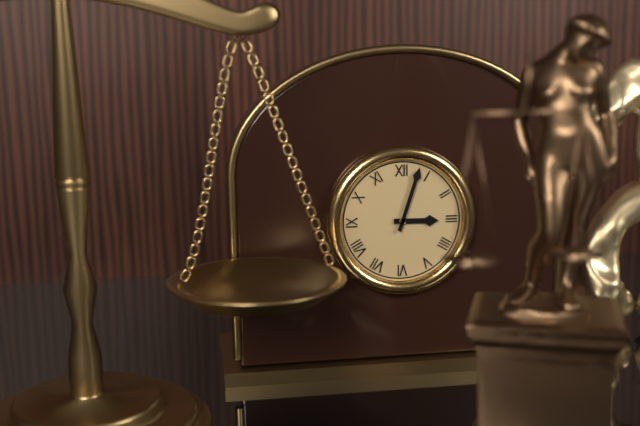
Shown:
3 h 03 min
